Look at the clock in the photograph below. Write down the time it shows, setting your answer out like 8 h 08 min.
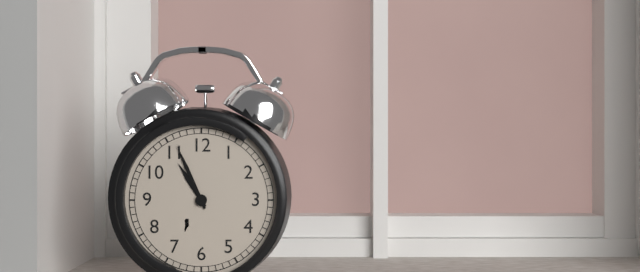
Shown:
10 h 56 min
